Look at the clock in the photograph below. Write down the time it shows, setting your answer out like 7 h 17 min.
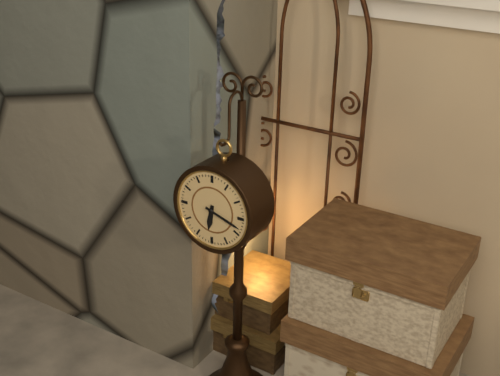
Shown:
6 h 18 min
